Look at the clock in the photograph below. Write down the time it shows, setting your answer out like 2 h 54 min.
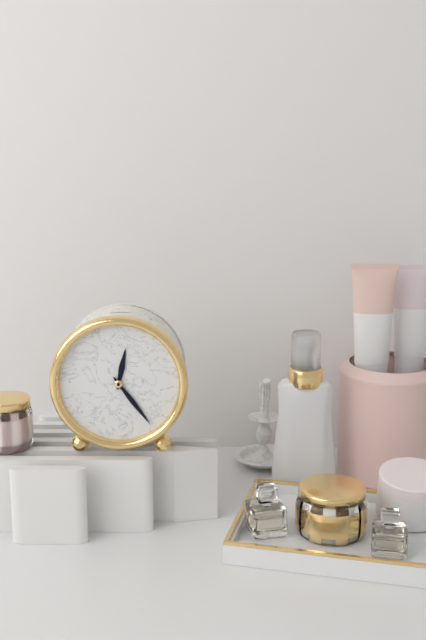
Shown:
12 h 24 min
